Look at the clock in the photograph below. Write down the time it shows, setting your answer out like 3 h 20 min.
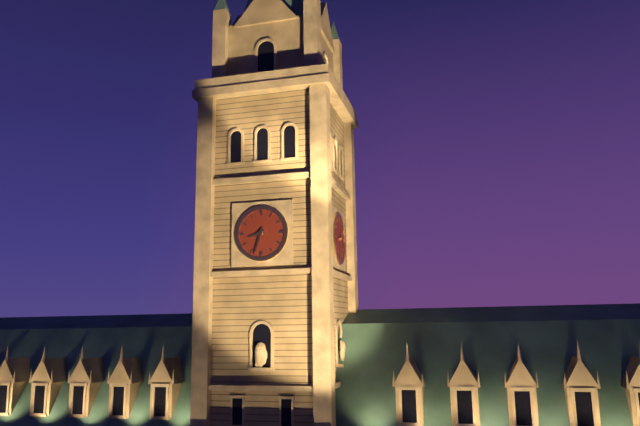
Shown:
8 h 33 min
